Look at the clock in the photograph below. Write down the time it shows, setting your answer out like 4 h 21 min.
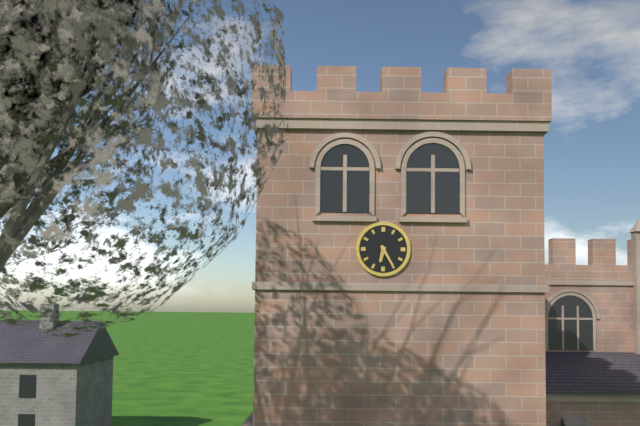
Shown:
6 h 25 min
